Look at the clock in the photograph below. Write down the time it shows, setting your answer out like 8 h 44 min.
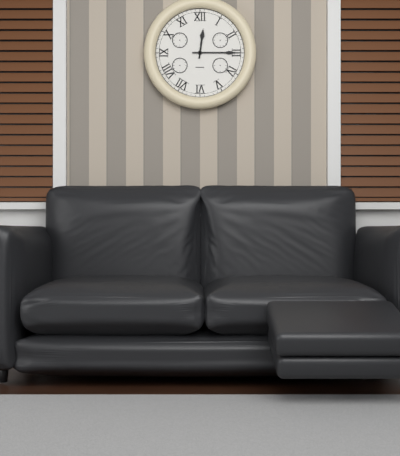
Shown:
12 h 15 min
